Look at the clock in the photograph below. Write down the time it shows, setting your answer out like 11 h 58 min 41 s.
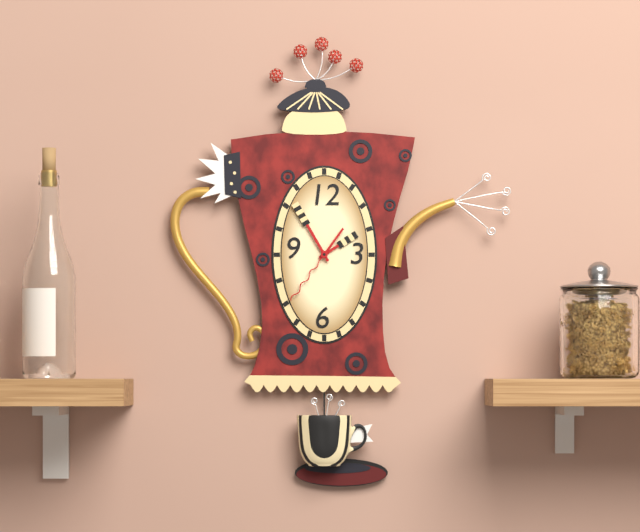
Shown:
1 h 55 min 36 s
